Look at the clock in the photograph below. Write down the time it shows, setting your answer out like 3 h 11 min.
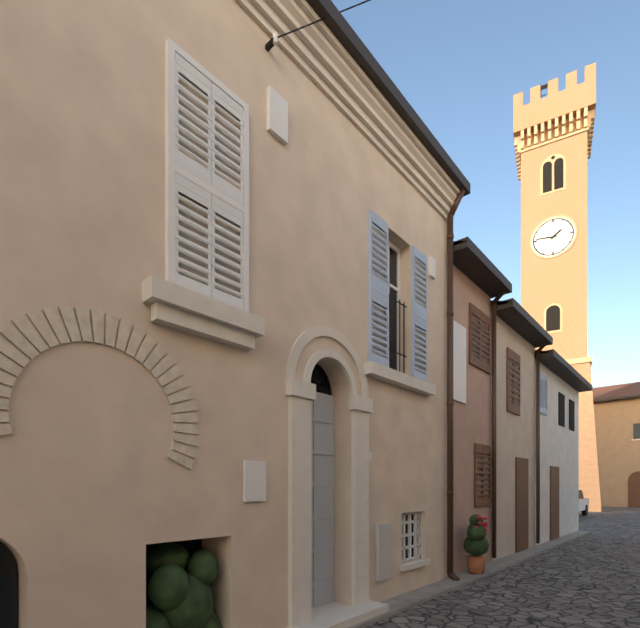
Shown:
1 h 46 min
